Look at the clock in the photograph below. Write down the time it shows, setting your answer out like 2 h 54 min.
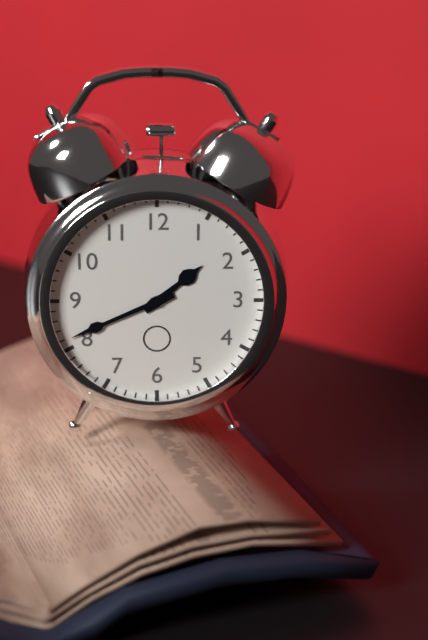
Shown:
1 h 41 min
